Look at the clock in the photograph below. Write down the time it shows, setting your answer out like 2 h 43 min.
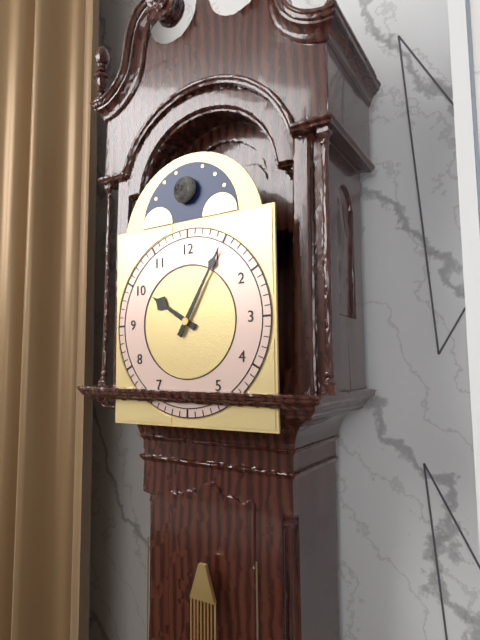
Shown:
10 h 05 min
